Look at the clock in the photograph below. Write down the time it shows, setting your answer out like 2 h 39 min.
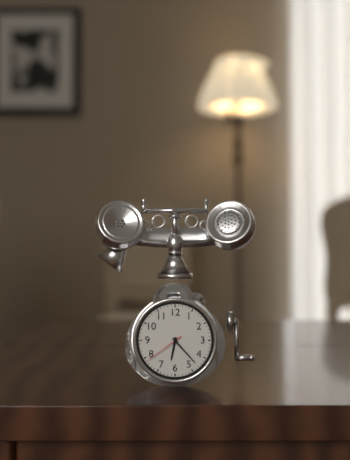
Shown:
6 h 23 min
